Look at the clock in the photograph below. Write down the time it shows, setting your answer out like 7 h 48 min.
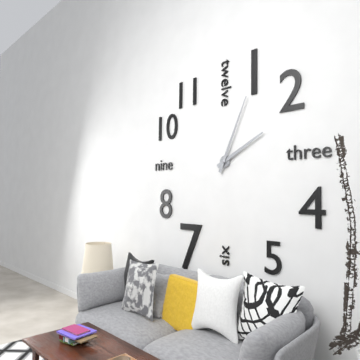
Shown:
2 h 04 min
